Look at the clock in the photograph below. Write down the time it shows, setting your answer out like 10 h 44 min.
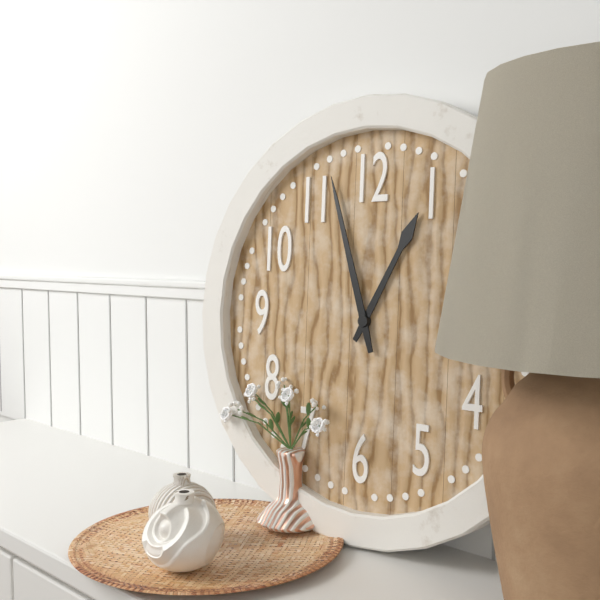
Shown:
12 h 57 min
